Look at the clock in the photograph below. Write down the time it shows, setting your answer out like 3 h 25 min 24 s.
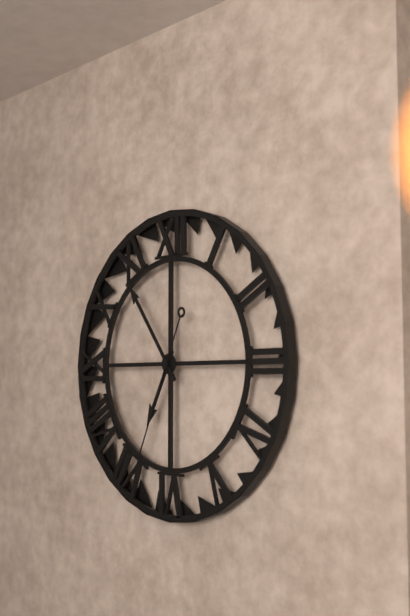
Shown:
6 h 54 min 34 s
